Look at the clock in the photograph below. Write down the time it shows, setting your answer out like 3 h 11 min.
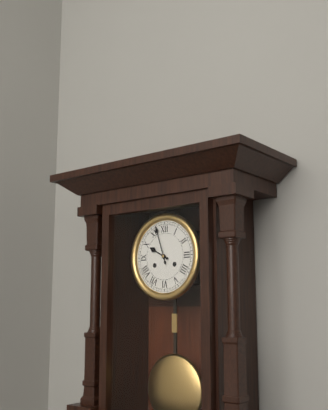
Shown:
9 h 57 min
